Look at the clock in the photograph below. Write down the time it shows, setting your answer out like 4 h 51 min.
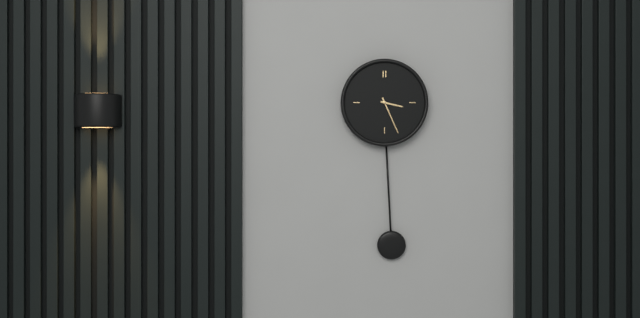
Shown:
3 h 26 min
